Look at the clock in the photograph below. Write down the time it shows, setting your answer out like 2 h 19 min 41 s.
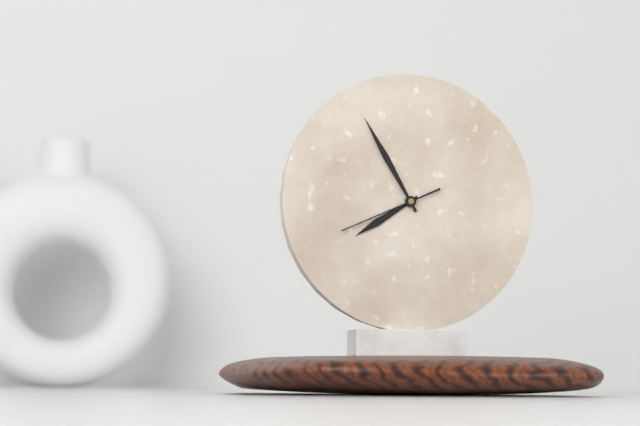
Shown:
7 h 55 min 41 s
